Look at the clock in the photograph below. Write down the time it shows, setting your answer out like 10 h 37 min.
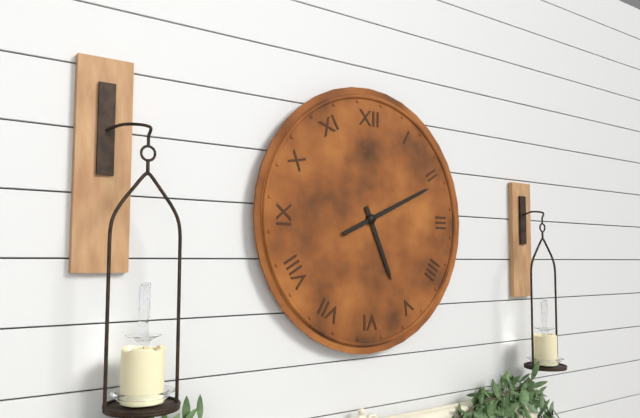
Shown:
5 h 11 min
